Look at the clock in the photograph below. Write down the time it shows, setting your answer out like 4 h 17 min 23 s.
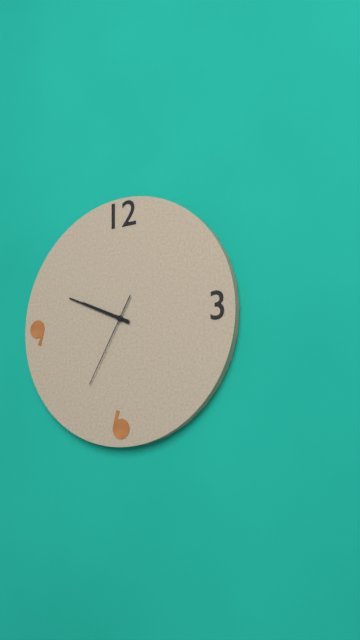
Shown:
9 h 49 min 35 s
